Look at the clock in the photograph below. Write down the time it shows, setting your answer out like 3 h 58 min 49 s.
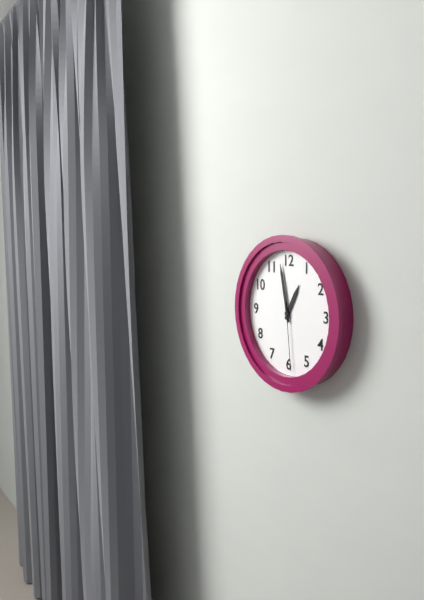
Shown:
12 h 58 min 29 s
